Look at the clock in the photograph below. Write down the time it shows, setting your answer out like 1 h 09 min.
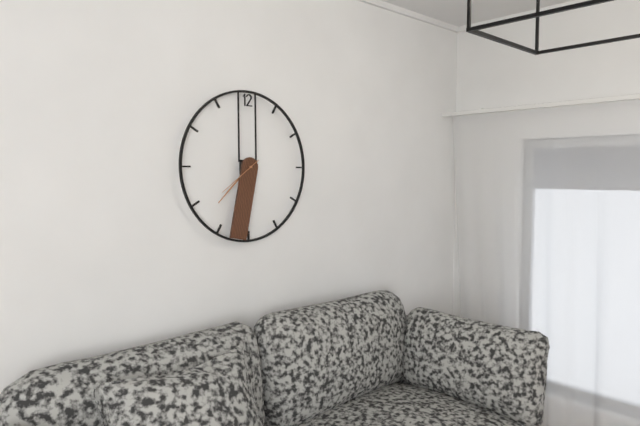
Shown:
7 h 32 min
